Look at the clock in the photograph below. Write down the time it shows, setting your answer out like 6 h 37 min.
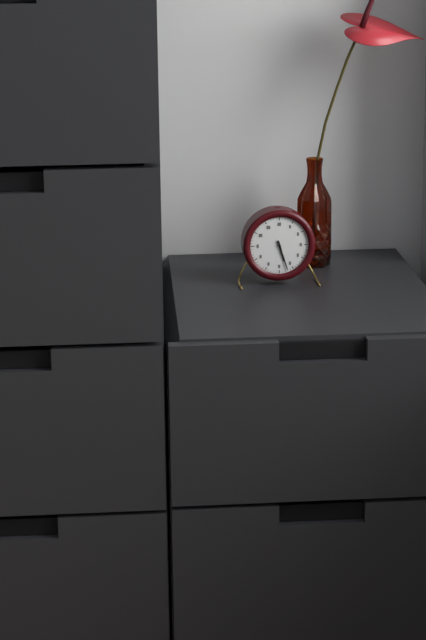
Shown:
5 h 27 min
